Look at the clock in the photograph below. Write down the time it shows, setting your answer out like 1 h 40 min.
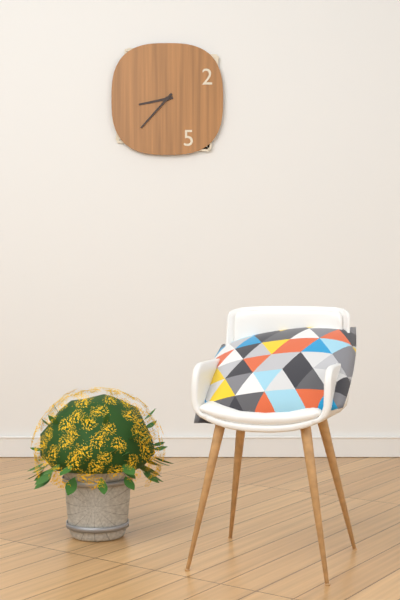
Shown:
8 h 37 min
